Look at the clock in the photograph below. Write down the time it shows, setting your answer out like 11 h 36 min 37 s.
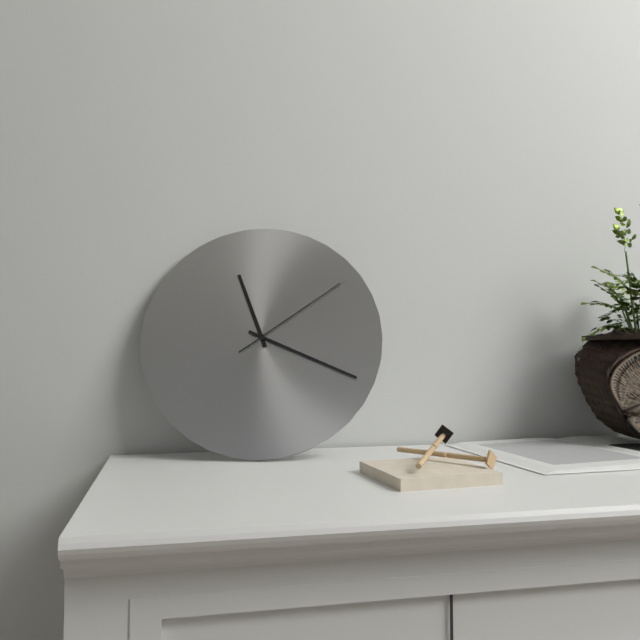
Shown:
11 h 19 min 09 s
